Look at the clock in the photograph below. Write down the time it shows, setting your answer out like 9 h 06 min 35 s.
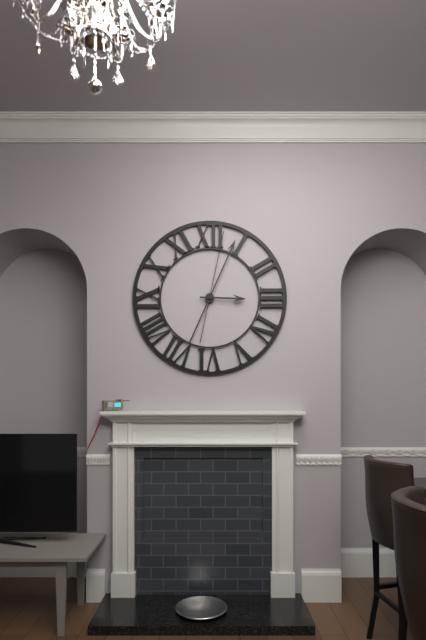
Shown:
3 h 04 min 02 s
